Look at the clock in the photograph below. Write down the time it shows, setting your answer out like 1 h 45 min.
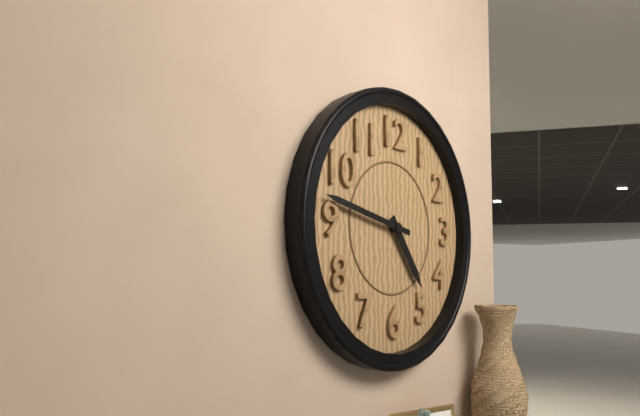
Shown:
4 h 47 min
